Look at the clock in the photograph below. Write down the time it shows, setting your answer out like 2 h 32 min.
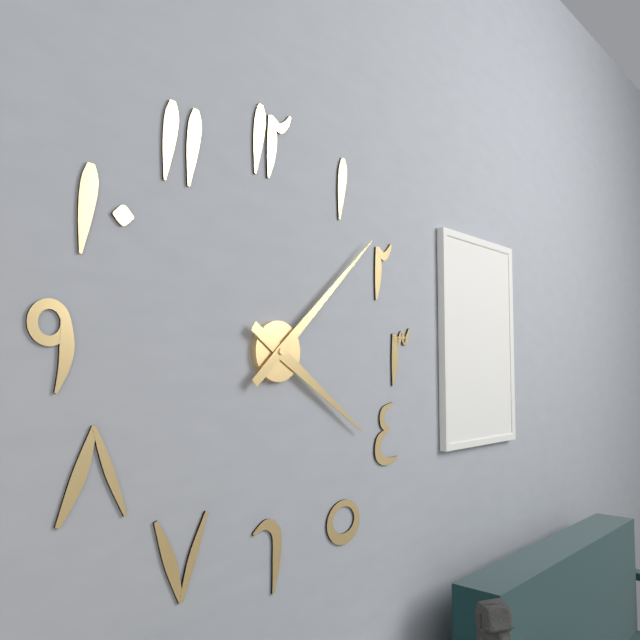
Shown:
4 h 08 min
